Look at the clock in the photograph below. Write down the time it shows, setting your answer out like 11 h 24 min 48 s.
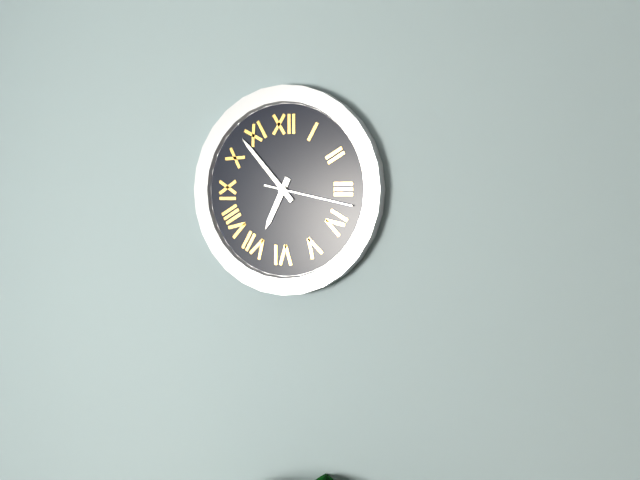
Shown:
6 h 53 min 17 s
